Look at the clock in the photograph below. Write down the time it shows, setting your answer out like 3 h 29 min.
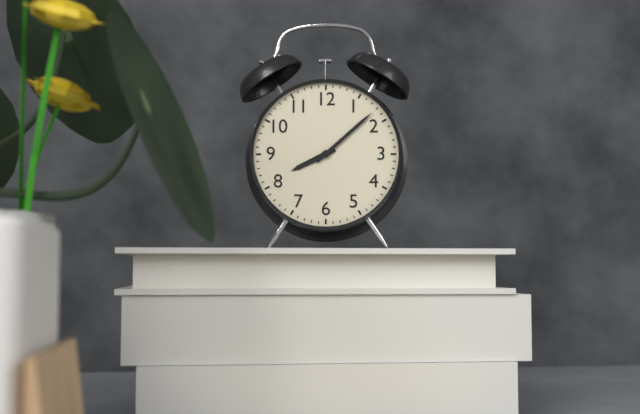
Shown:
8 h 08 min
